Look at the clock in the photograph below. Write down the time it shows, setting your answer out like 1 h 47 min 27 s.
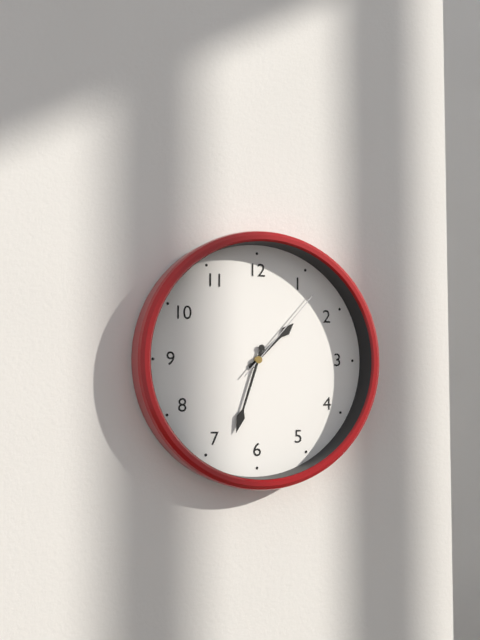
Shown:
1 h 33 min 07 s
